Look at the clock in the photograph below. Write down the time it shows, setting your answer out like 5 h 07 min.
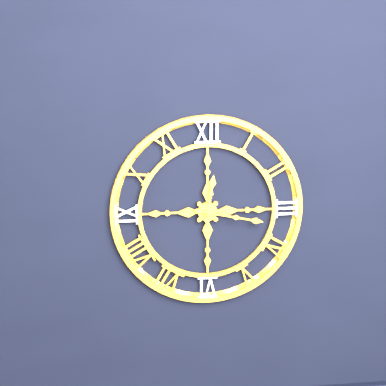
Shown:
12 h 17 min
